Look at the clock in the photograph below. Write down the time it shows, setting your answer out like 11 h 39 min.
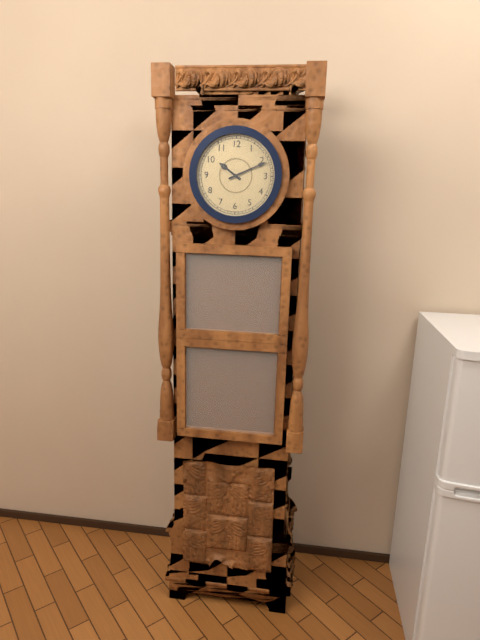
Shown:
10 h 11 min
